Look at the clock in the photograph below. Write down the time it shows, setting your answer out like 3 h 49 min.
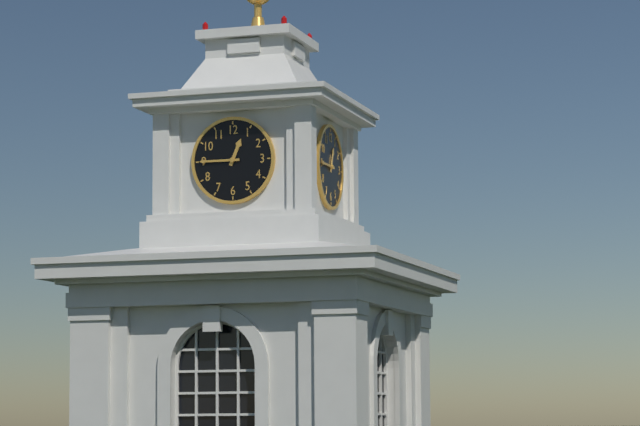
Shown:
12 h 45 min
